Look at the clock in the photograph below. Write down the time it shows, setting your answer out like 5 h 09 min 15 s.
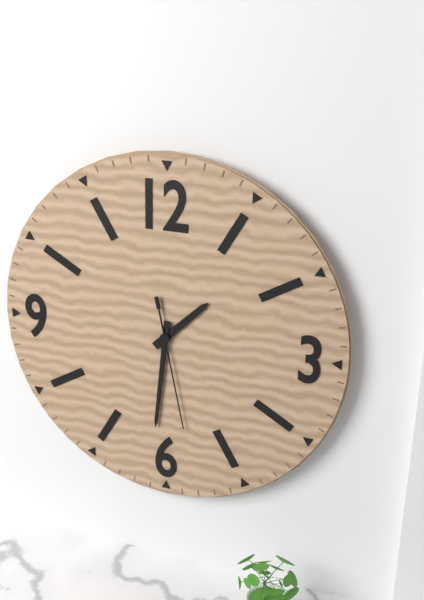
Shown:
1 h 31 min 28 s
